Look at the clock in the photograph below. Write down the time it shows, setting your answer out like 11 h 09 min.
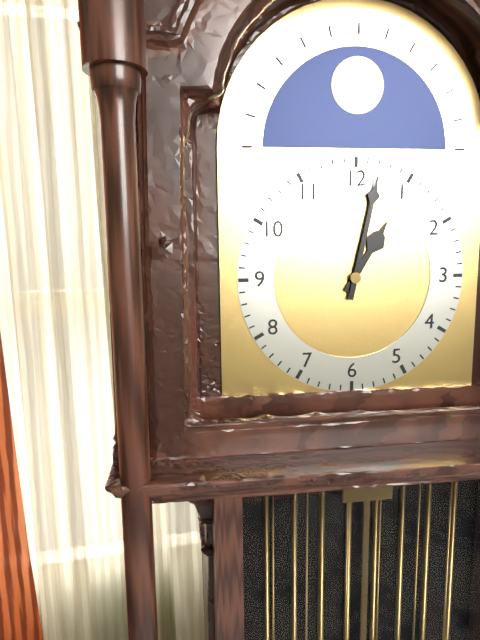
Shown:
1 h 02 min
